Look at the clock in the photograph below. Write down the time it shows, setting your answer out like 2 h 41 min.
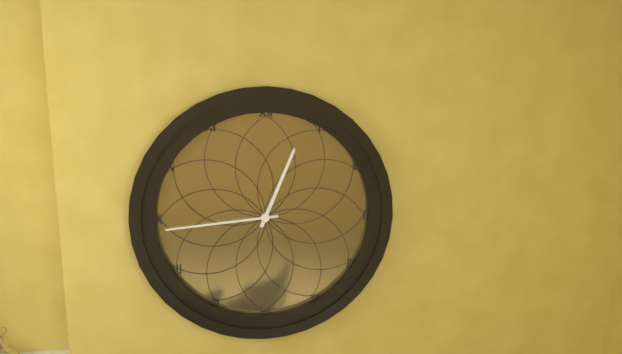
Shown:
12 h 44 min
